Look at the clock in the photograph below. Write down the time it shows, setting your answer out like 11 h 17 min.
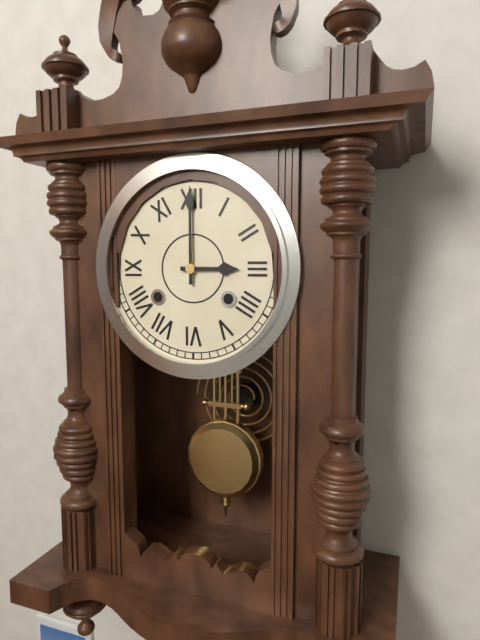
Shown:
3 h 00 min
